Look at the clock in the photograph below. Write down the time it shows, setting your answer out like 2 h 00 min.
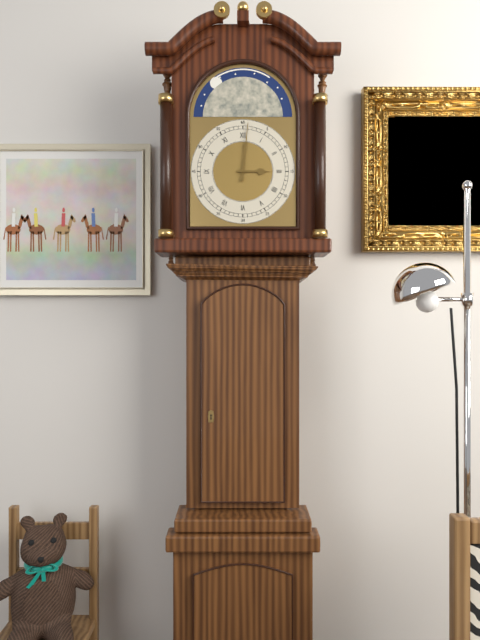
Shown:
3 h 01 min
